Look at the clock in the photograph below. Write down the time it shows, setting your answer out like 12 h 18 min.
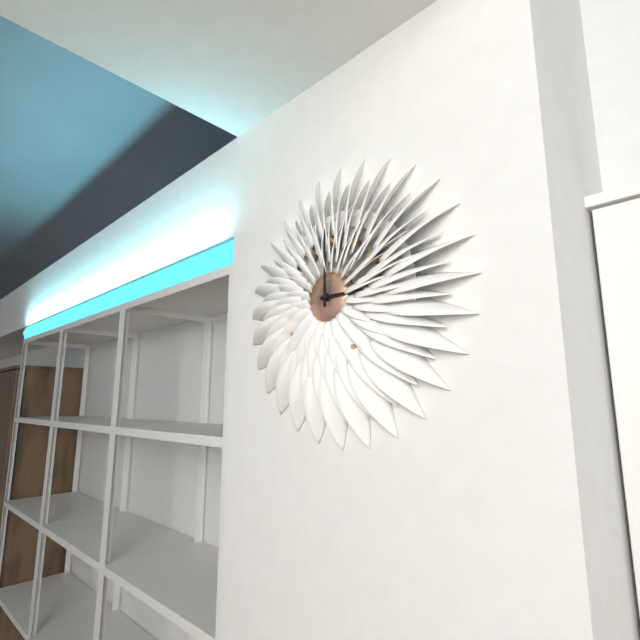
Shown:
3 h 00 min
